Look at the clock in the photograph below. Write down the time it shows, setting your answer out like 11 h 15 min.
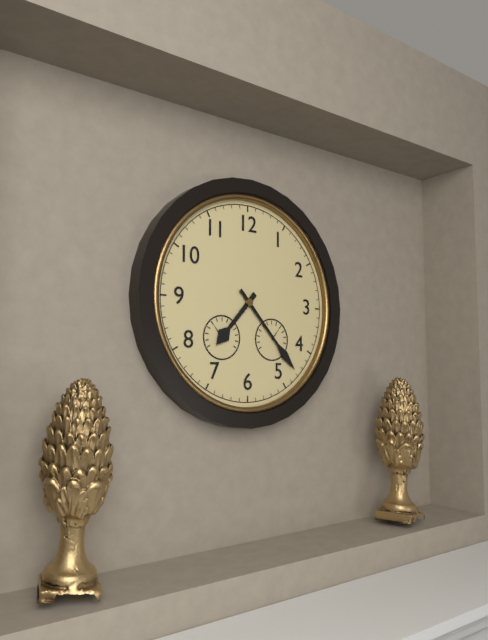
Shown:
7 h 23 min
